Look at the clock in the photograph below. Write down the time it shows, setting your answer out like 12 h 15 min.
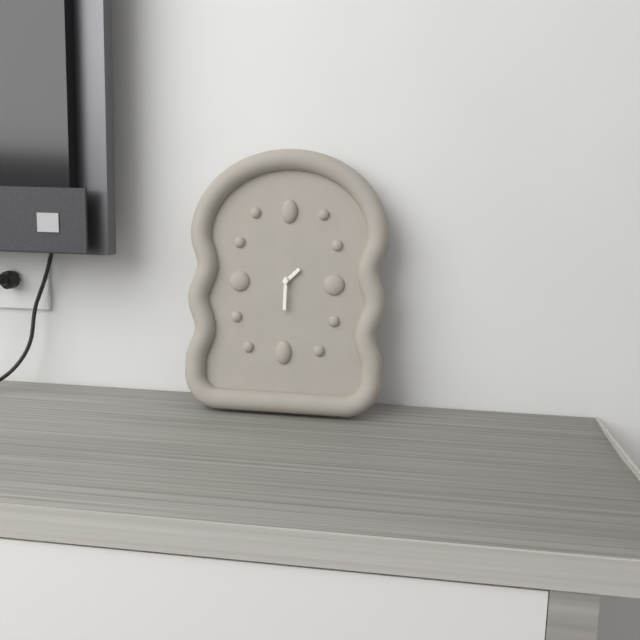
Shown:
1 h 30 min
